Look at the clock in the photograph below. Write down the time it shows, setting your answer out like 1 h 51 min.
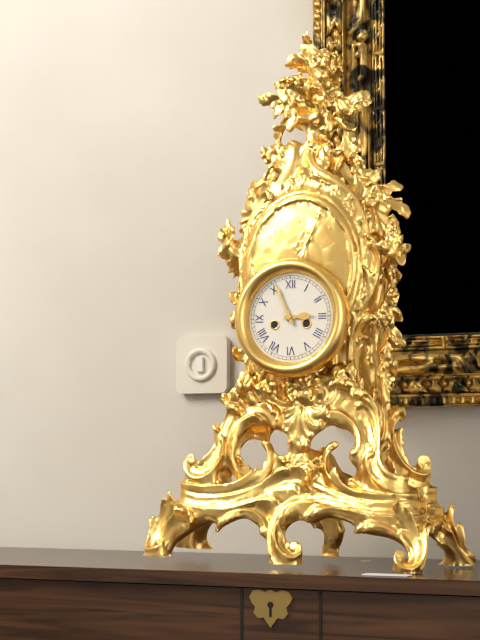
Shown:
2 h 56 min
